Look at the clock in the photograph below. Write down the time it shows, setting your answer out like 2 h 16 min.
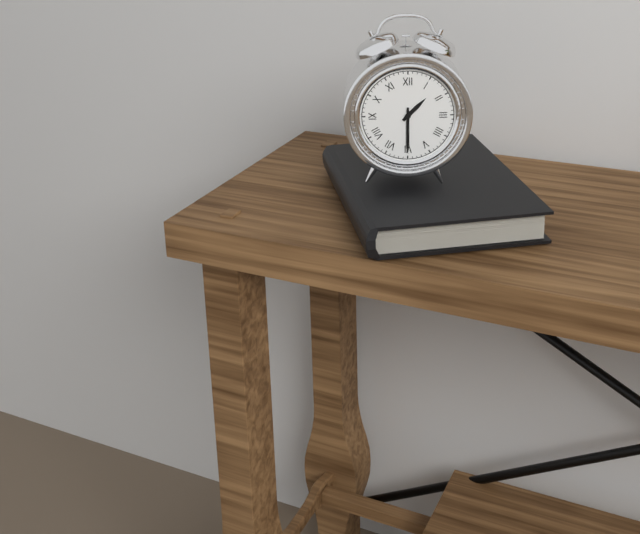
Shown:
1 h 30 min
